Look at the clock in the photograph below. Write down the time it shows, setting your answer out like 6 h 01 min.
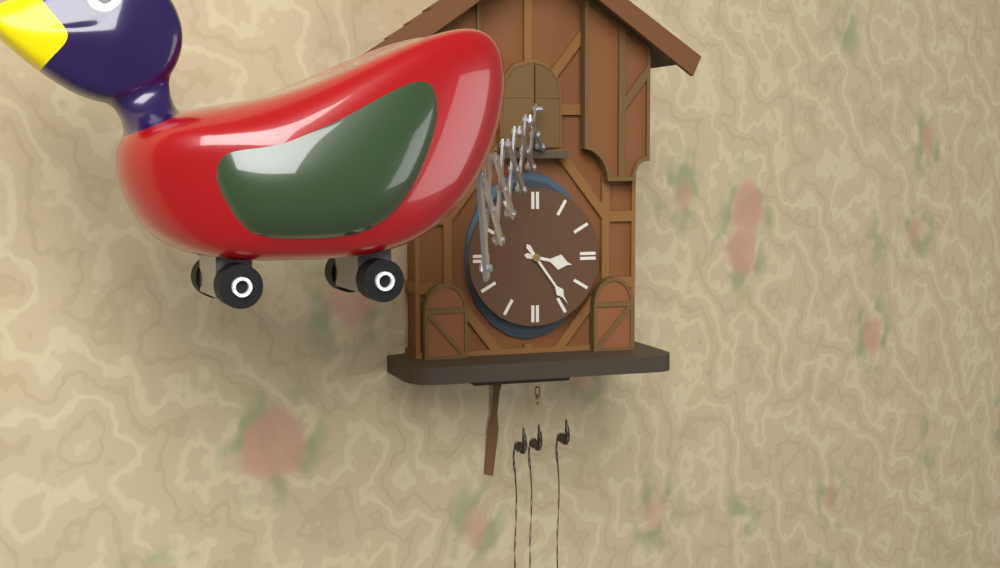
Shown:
3 h 24 min
